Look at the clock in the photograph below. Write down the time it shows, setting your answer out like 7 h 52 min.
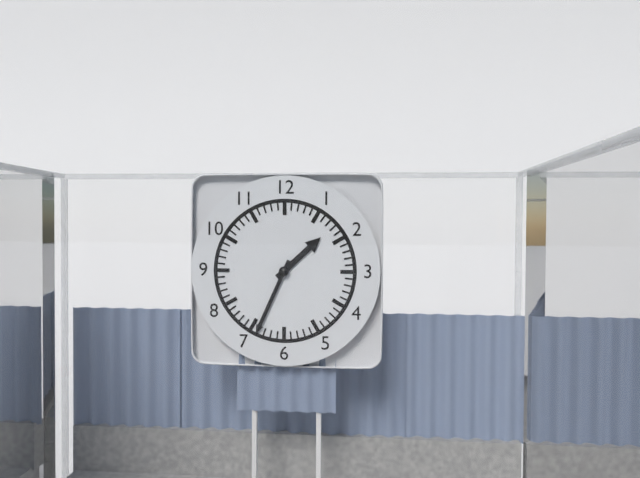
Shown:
1 h 34 min
